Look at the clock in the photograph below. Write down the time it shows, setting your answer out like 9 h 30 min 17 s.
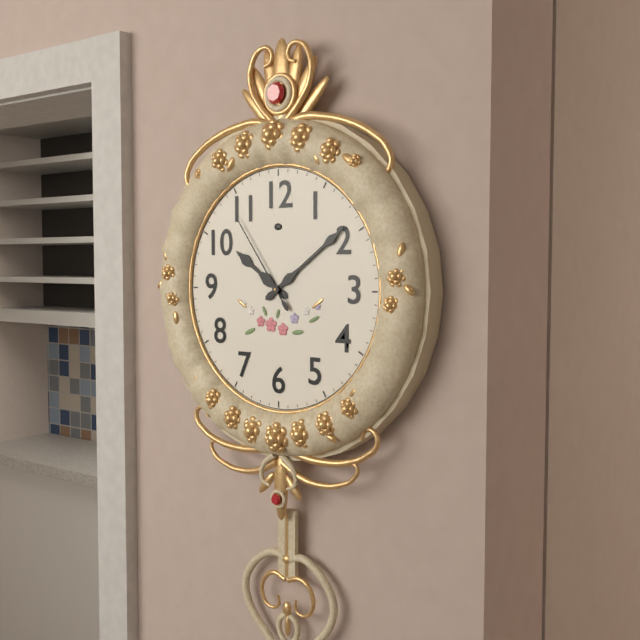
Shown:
10 h 09 min 54 s
